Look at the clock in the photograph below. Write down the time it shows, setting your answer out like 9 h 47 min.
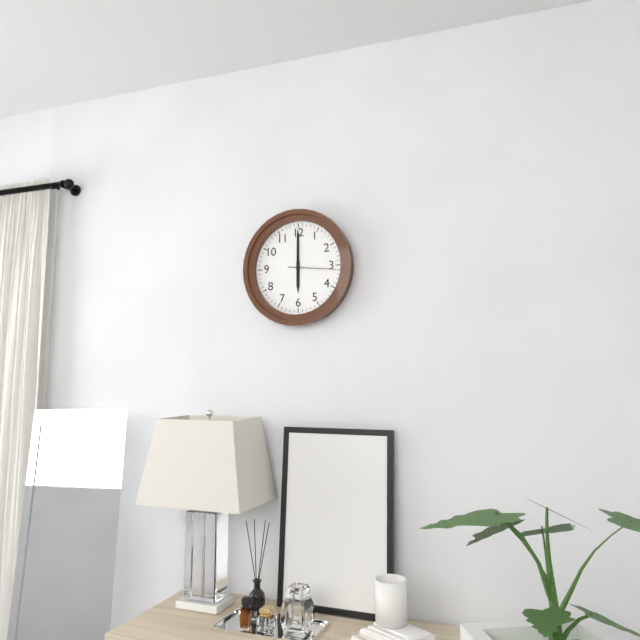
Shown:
6 h 00 min
